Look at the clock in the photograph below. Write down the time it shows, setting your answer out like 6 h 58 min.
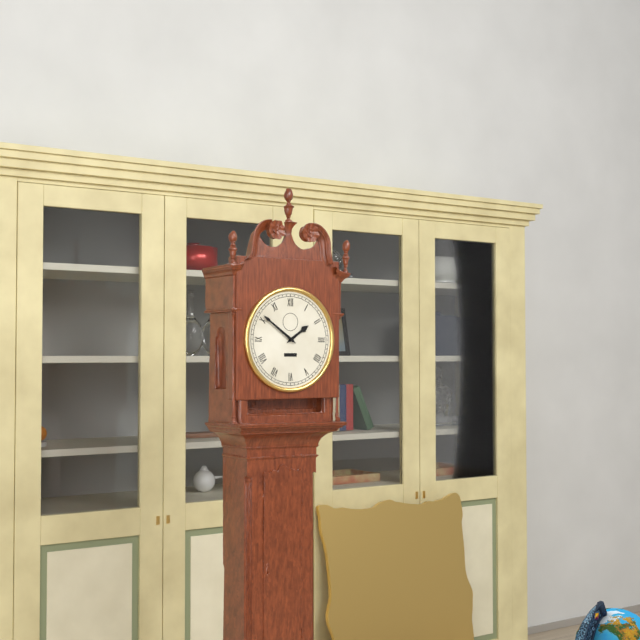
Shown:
1 h 51 min
